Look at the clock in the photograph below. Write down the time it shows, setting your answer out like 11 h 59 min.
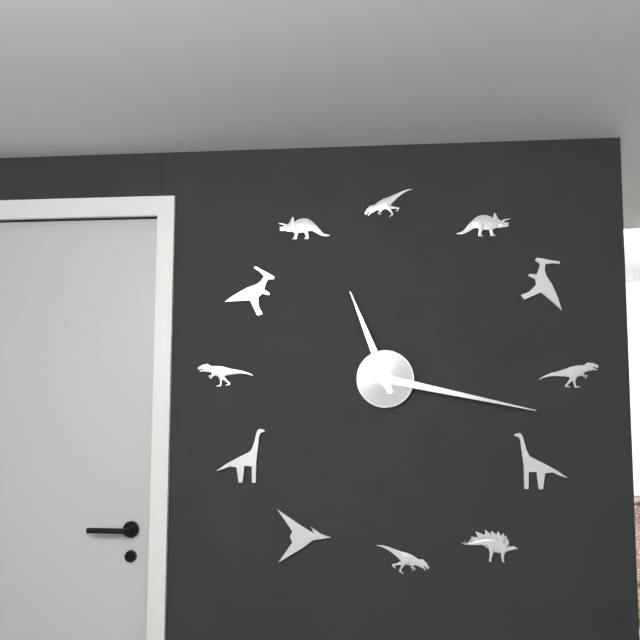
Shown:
11 h 17 min
